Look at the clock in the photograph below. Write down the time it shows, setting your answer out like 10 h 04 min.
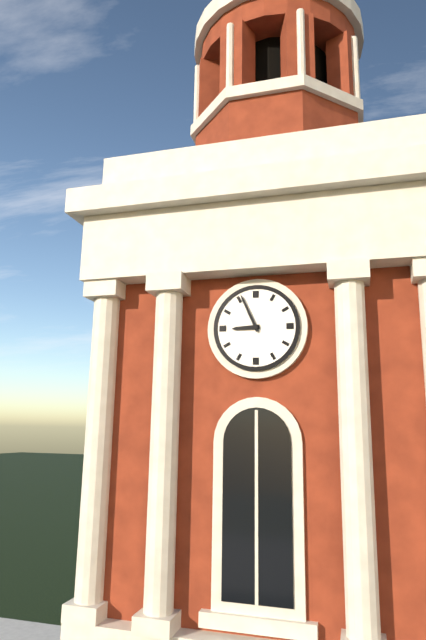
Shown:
8 h 56 min
